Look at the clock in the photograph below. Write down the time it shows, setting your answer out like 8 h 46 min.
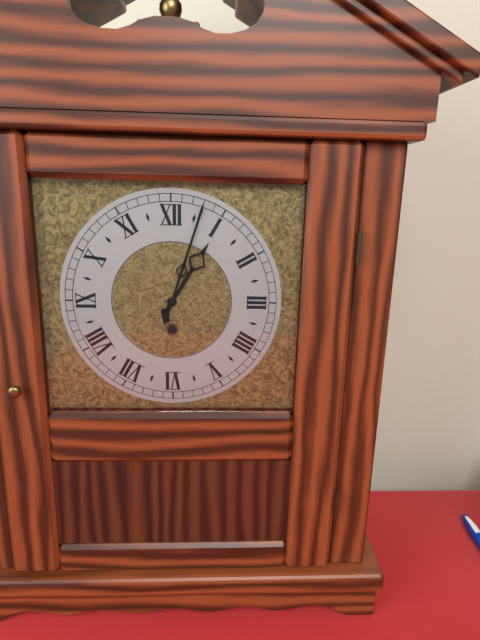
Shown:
1 h 03 min
